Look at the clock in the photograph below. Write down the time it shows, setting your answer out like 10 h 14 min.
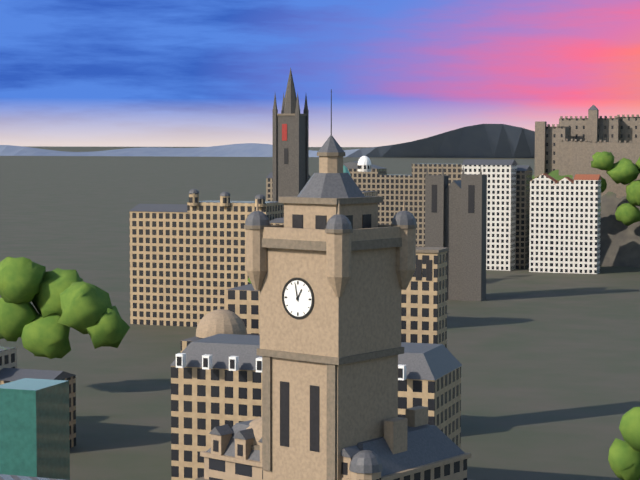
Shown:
12 h 58 min
